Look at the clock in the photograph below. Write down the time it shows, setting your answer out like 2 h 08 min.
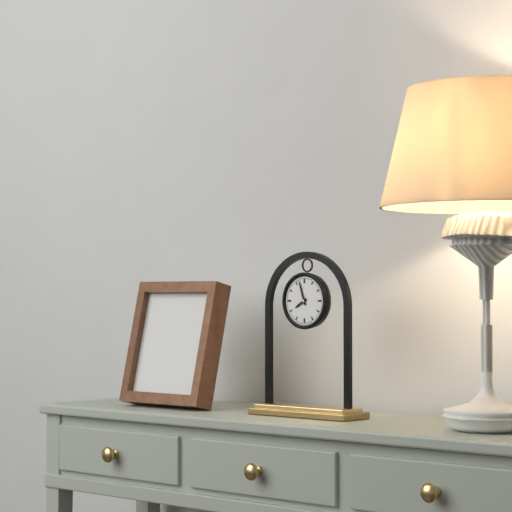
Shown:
7 h 57 min
